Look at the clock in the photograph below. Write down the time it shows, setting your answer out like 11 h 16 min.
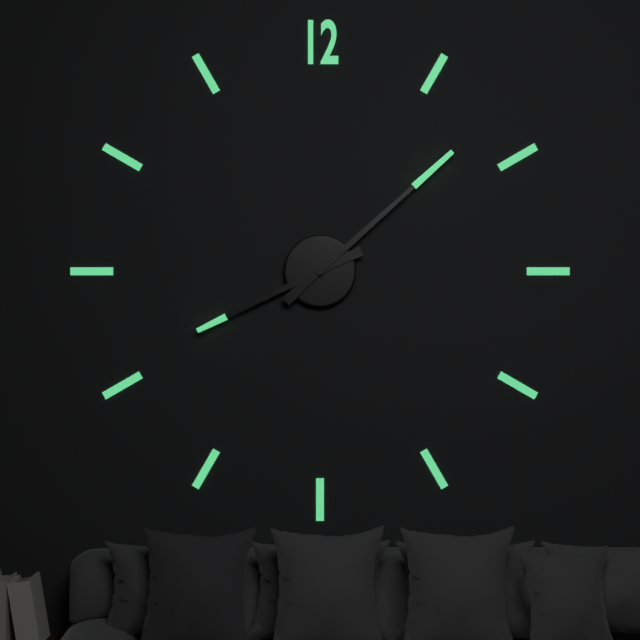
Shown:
8 h 08 min
